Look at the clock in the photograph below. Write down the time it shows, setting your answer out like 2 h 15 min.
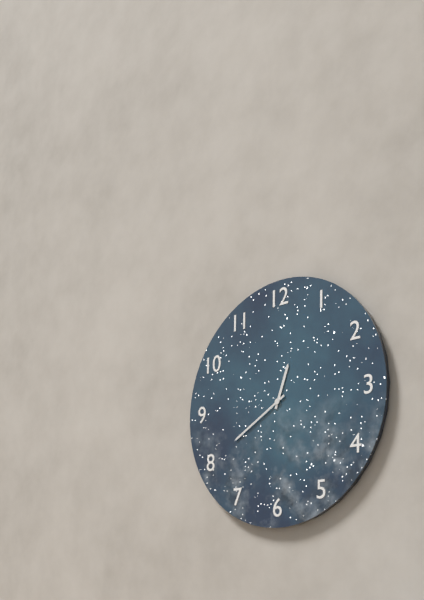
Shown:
12 h 40 min
